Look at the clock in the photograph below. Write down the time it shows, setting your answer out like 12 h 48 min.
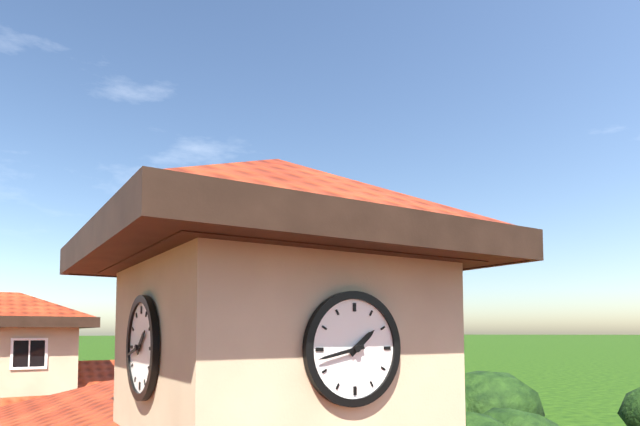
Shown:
1 h 43 min
